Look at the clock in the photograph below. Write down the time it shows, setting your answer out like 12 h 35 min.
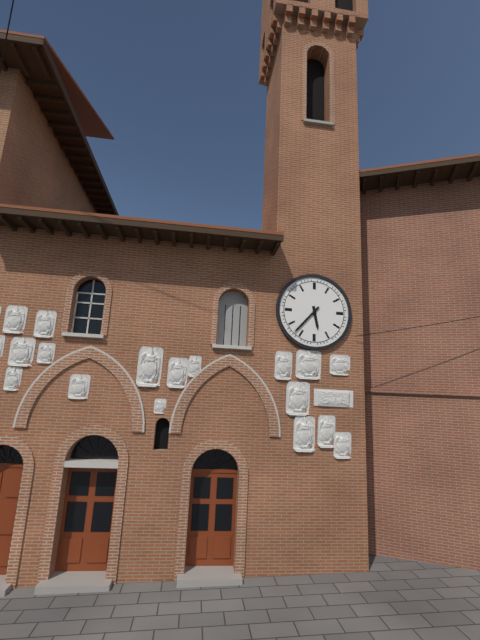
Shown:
5 h 37 min
